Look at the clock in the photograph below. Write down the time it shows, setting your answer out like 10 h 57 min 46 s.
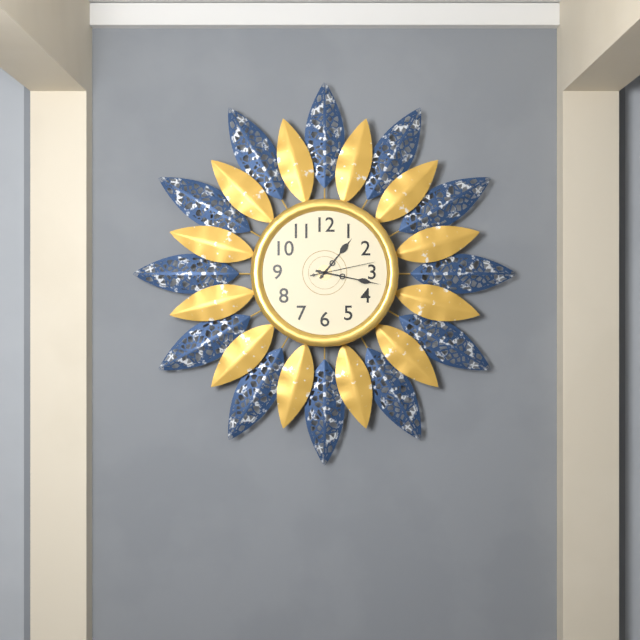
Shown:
1 h 17 min 13 s
